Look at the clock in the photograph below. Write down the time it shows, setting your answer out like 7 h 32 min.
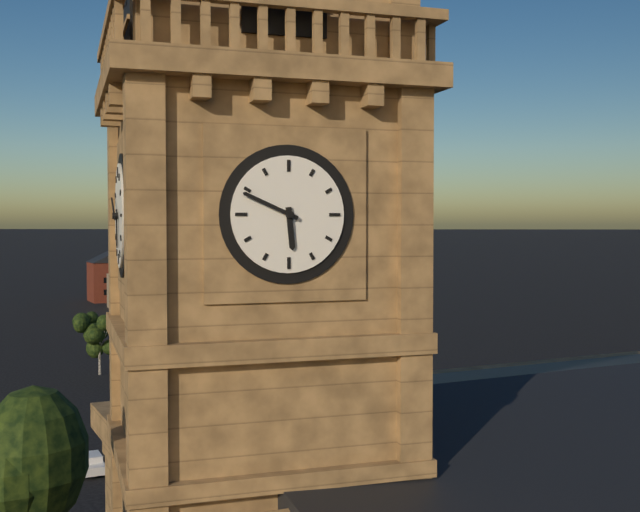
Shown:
5 h 49 min
